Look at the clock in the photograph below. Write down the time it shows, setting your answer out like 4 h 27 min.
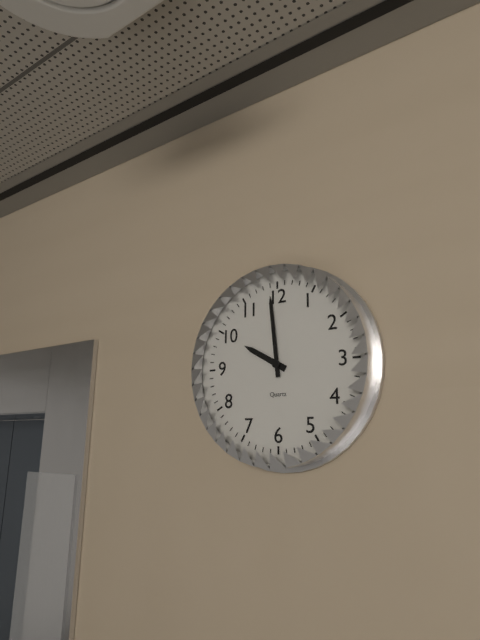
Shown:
9 h 59 min
